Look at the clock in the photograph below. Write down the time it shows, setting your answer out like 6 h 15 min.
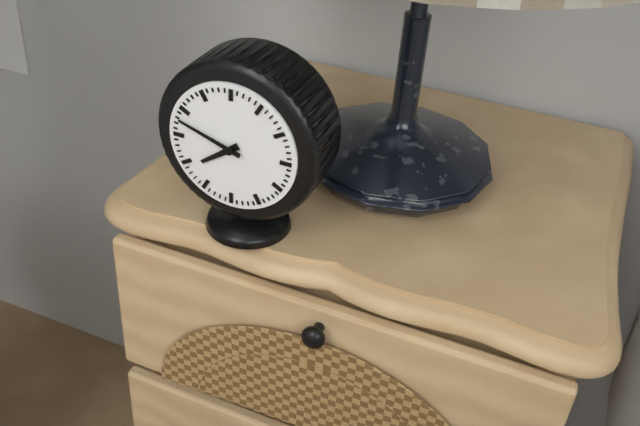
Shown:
7 h 48 min
